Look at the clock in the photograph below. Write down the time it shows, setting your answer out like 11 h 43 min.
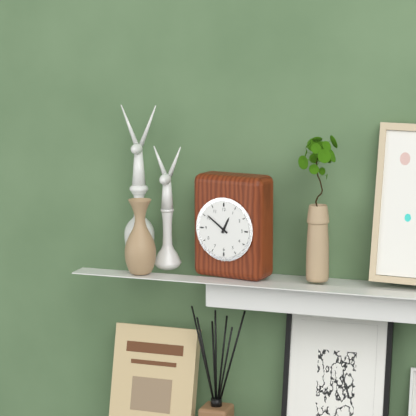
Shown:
12 h 51 min
